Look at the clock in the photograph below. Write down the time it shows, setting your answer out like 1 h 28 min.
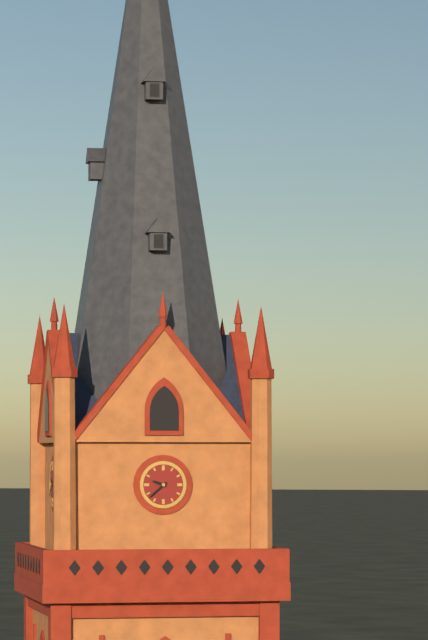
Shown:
9 h 38 min
